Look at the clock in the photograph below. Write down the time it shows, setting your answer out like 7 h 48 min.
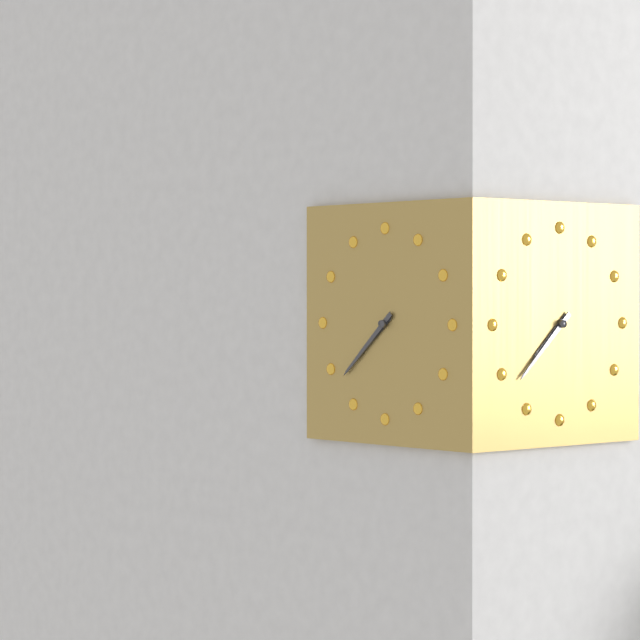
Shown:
7 h 38 min
